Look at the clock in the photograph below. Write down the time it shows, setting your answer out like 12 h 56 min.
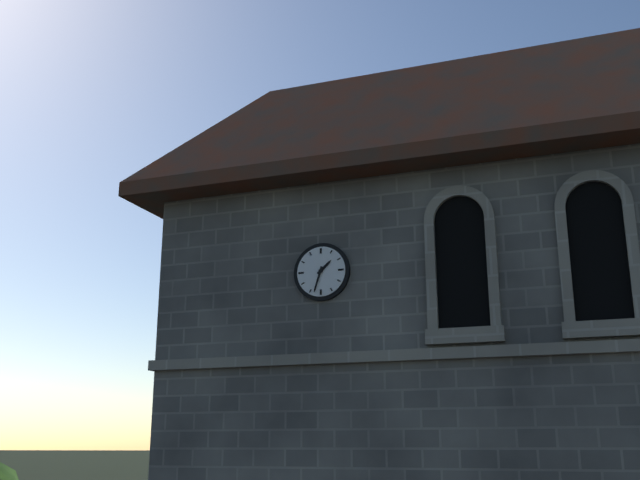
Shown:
1 h 33 min
